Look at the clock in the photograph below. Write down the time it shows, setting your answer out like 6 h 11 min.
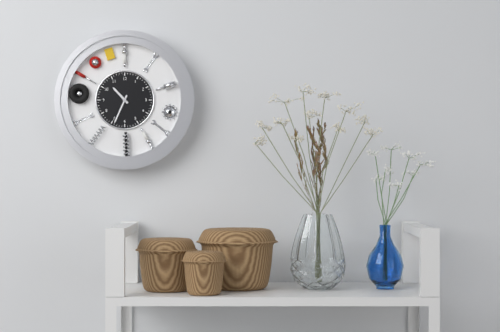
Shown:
10 h 34 min
